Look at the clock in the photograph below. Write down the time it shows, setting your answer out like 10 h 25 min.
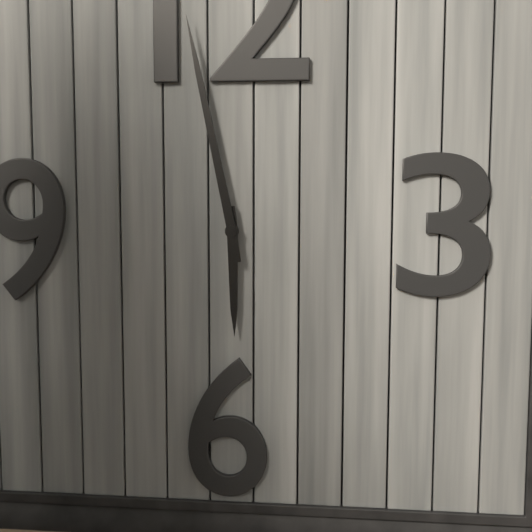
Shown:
5 h 58 min
